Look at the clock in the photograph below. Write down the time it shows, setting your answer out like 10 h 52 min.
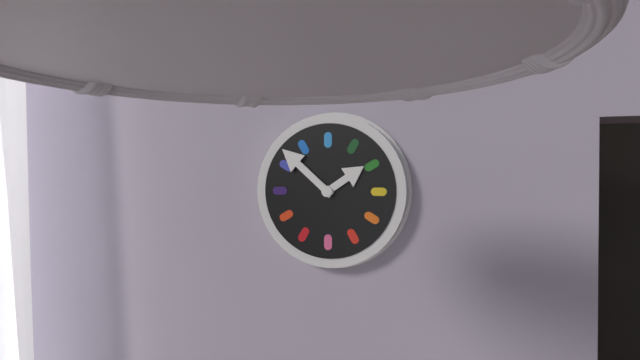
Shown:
1 h 52 min
